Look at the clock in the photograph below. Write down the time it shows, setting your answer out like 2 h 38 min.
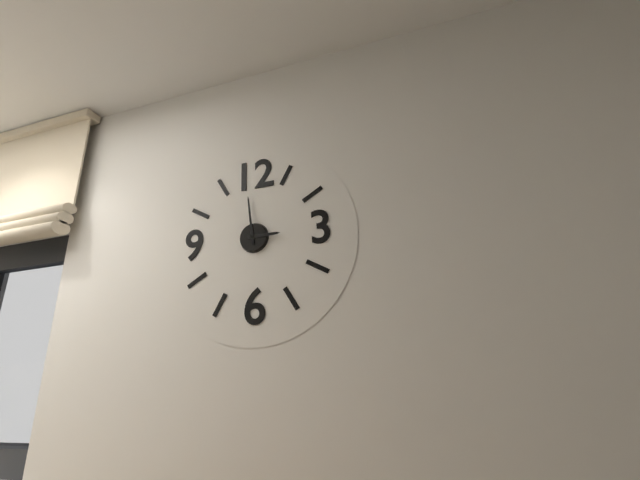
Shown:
2 h 59 min
